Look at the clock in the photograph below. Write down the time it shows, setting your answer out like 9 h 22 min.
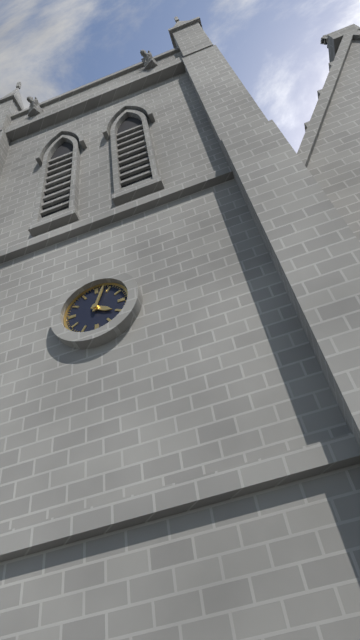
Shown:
4 h 03 min
